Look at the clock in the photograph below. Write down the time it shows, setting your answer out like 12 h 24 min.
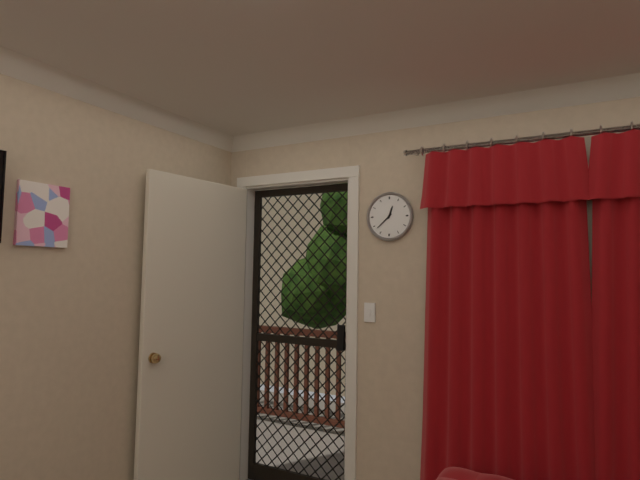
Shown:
12 h 38 min
